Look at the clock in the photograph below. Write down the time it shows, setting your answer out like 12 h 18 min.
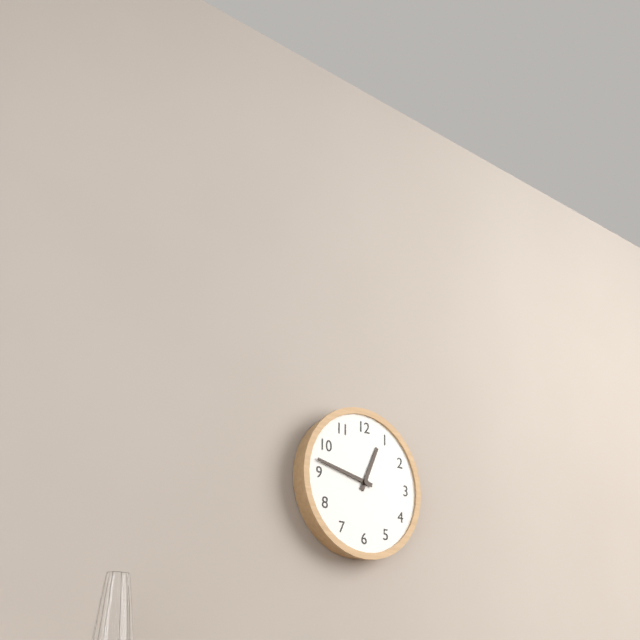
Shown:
12 h 47 min
